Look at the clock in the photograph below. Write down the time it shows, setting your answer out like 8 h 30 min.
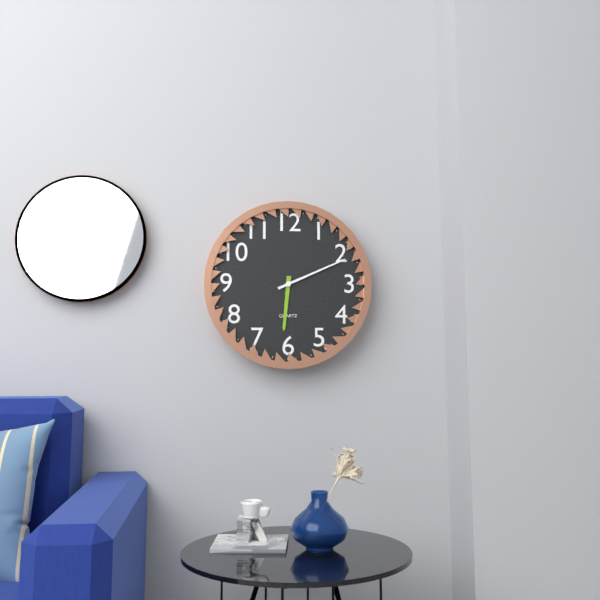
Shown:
6 h 11 min
